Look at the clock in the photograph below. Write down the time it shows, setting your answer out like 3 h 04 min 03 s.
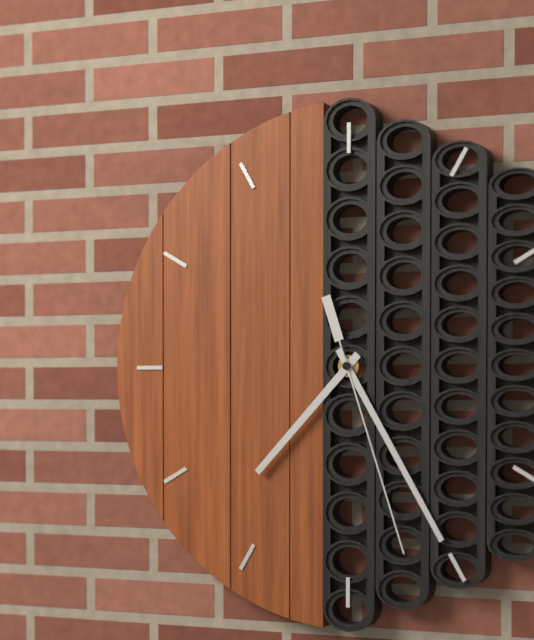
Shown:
7 h 25 min 27 s
